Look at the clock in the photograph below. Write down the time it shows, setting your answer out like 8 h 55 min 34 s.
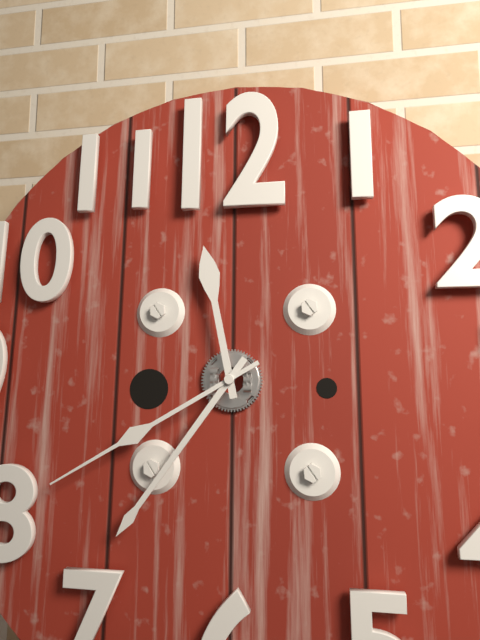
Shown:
11 h 36 min 40 s
